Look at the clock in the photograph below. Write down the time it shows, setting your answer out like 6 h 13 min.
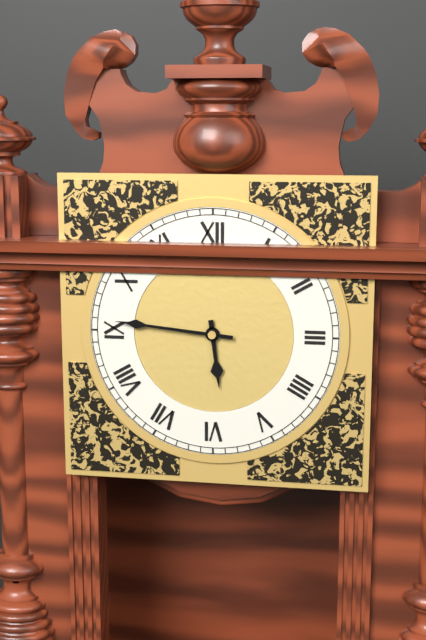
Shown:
5 h 46 min
